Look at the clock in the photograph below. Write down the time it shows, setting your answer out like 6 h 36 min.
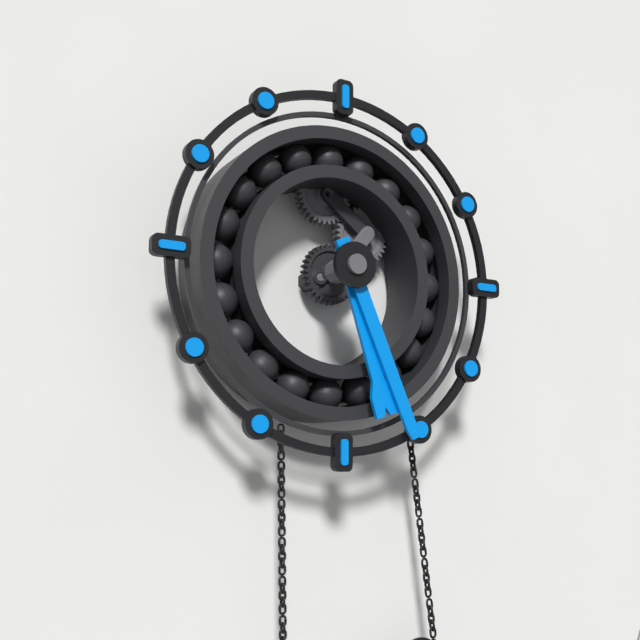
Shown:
5 h 26 min
